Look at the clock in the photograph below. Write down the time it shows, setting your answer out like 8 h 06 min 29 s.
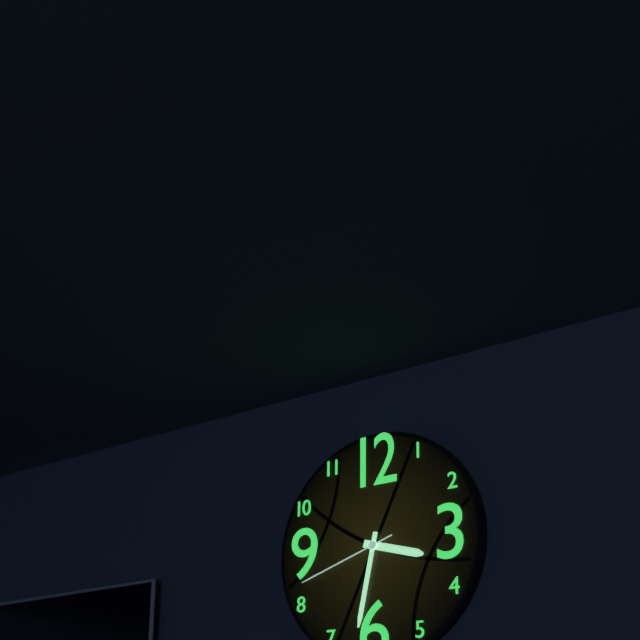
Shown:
3 h 32 min 42 s
